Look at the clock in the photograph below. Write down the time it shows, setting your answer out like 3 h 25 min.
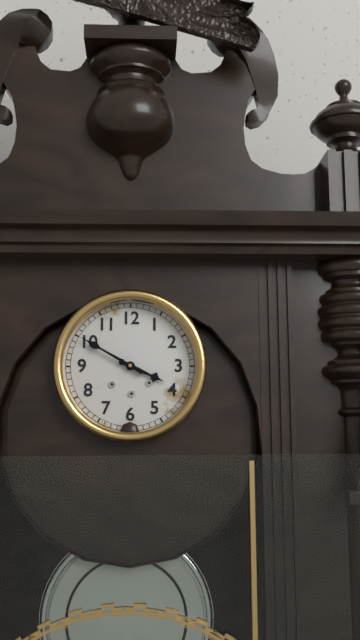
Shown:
3 h 50 min
